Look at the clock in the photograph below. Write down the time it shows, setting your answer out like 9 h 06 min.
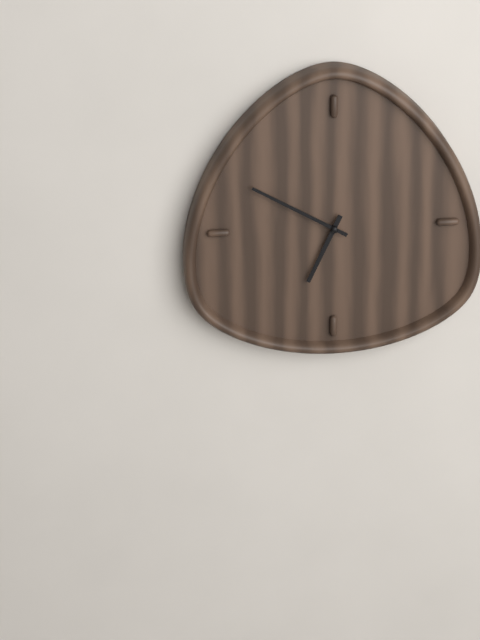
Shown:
6 h 50 min
